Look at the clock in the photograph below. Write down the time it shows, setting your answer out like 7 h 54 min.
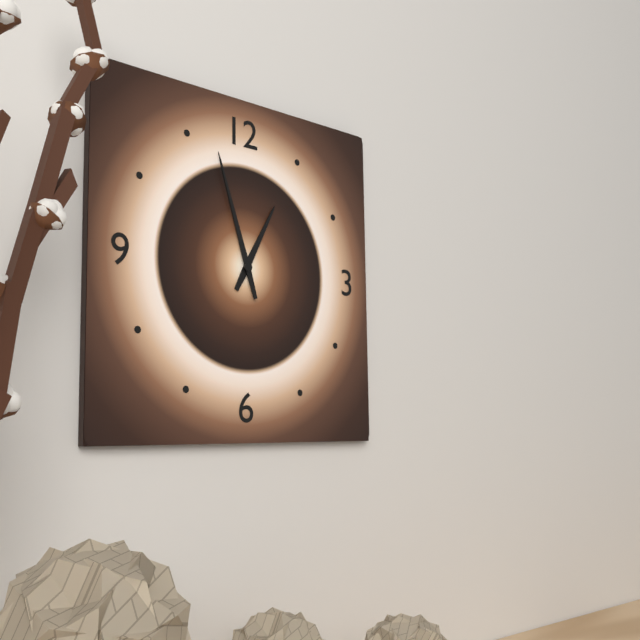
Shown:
12 h 57 min
